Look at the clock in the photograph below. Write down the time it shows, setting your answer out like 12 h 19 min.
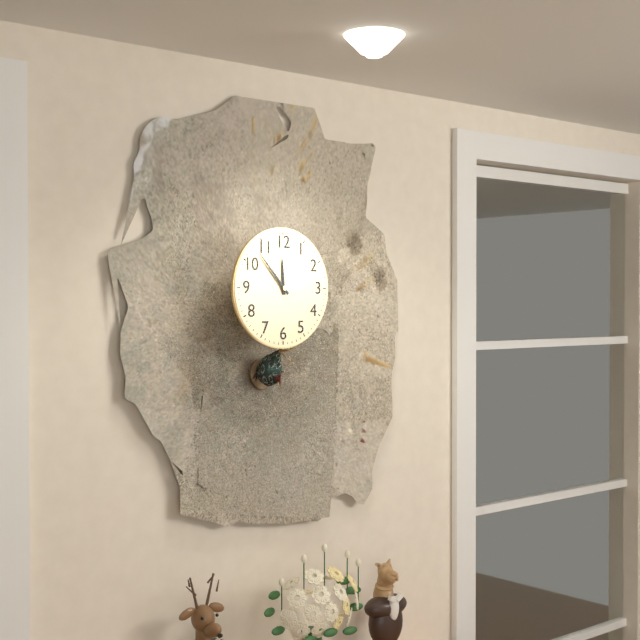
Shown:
11 h 53 min
